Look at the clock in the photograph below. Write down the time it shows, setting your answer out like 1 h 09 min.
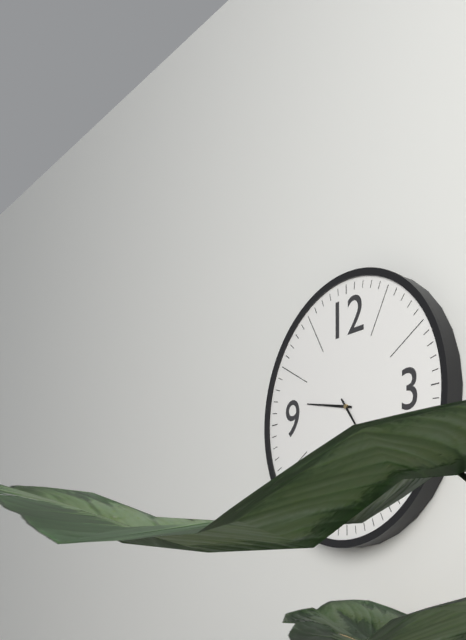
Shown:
9 h 24 min
